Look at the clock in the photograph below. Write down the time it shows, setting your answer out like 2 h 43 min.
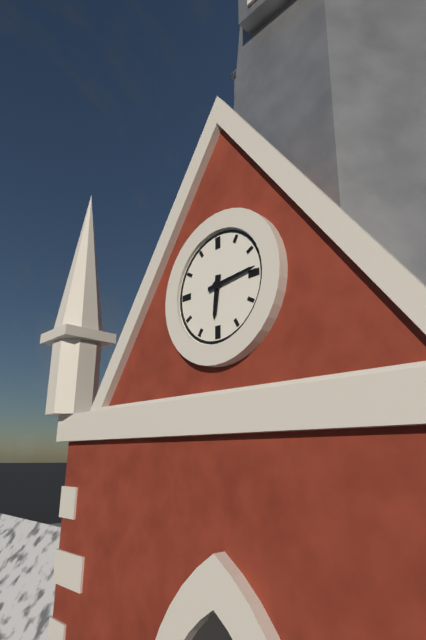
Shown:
6 h 14 min
